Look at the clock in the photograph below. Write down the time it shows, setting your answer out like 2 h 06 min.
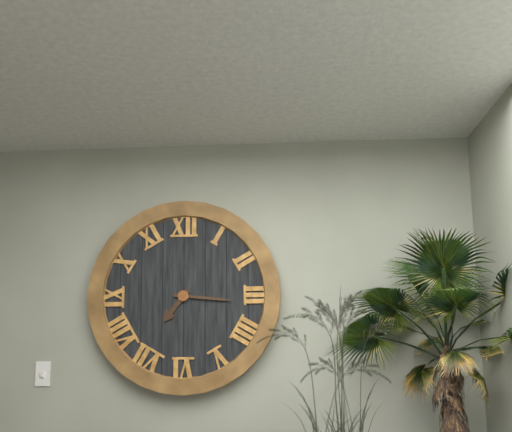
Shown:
7 h 16 min
